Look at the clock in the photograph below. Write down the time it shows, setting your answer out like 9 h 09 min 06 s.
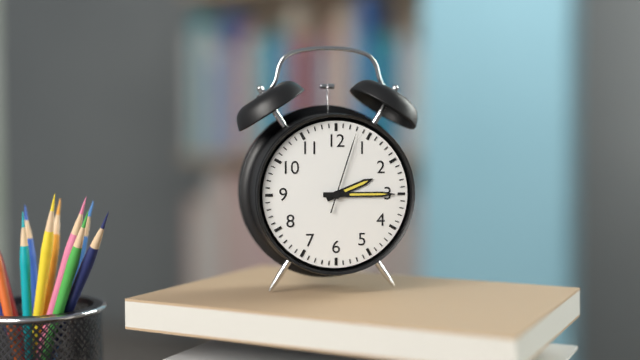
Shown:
2 h 15 min 03 s
